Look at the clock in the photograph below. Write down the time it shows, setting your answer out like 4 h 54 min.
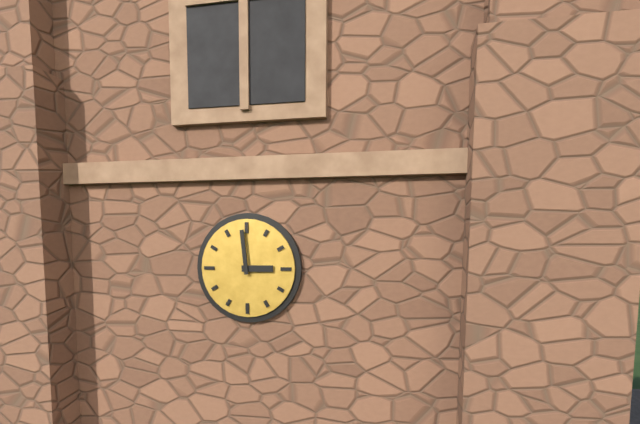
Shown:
2 h 59 min
